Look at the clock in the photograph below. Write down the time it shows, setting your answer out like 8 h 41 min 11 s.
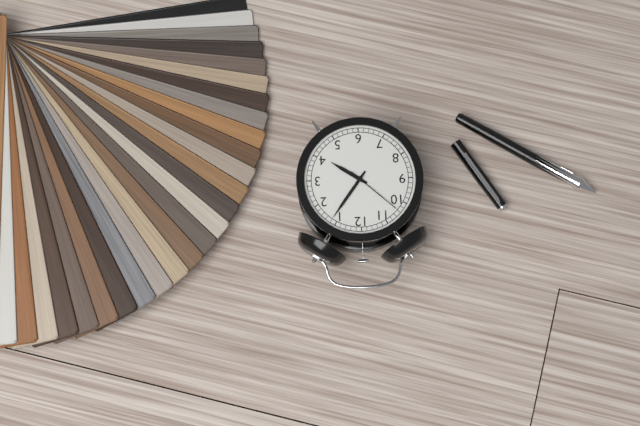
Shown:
4 h 06 min 52 s
